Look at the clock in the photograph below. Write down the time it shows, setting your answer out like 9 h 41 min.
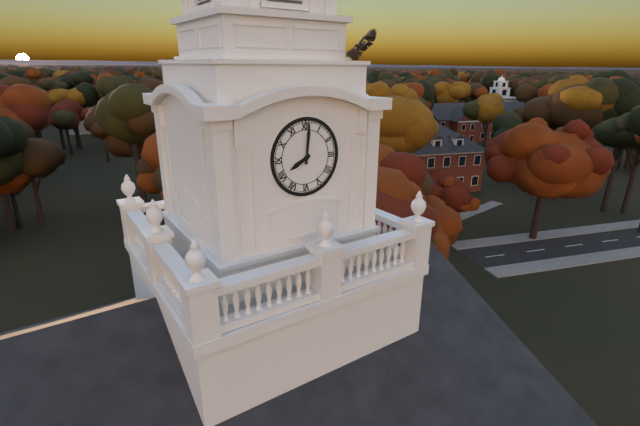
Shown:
8 h 01 min
